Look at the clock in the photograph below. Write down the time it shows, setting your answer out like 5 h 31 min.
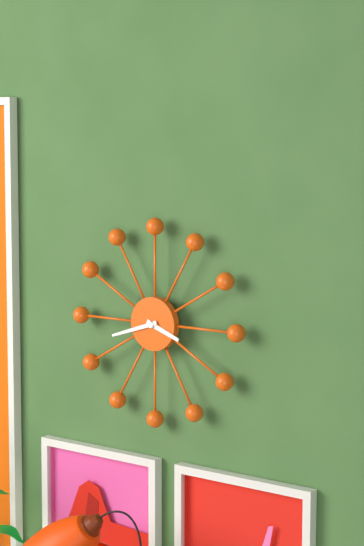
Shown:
3 h 42 min
